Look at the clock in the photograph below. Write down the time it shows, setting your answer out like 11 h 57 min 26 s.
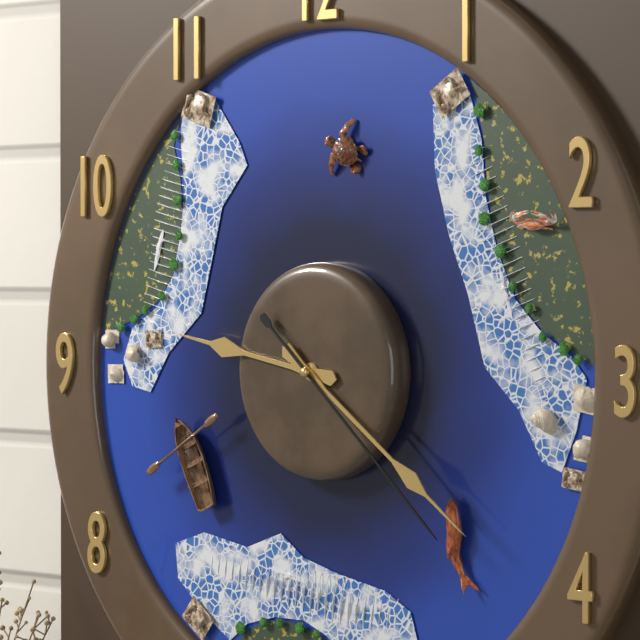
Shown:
9 h 21 min 22 s
